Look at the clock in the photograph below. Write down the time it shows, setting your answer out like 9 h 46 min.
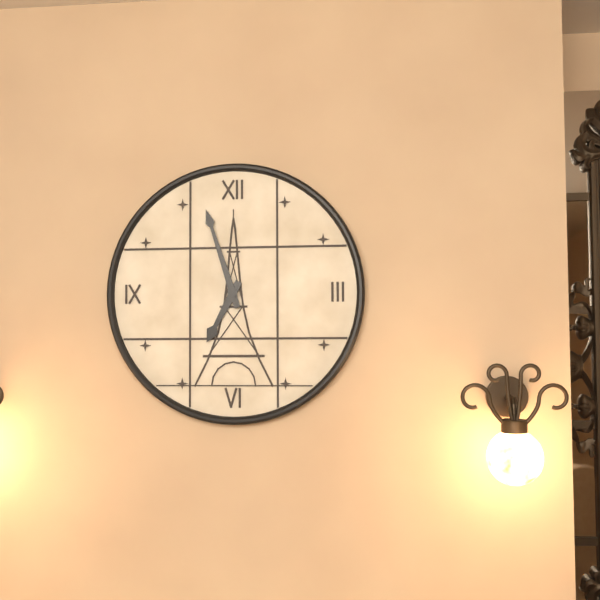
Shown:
6 h 57 min
